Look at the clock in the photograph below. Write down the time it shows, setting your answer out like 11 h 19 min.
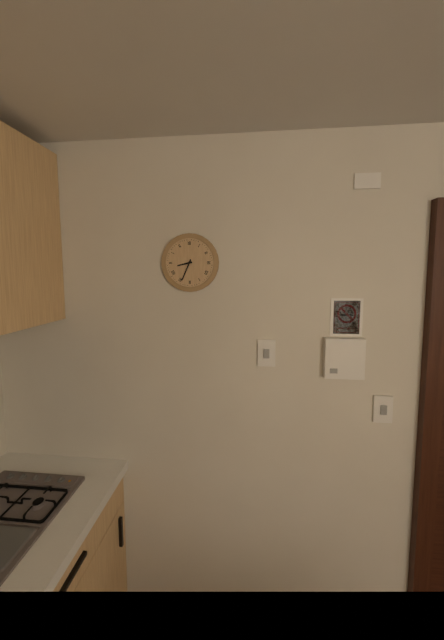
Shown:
8 h 34 min
